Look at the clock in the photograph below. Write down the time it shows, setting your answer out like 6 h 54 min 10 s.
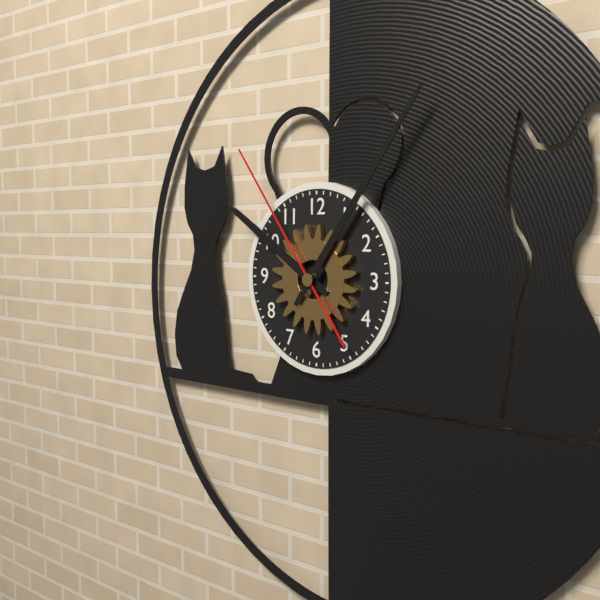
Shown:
10 h 06 min 54 s
